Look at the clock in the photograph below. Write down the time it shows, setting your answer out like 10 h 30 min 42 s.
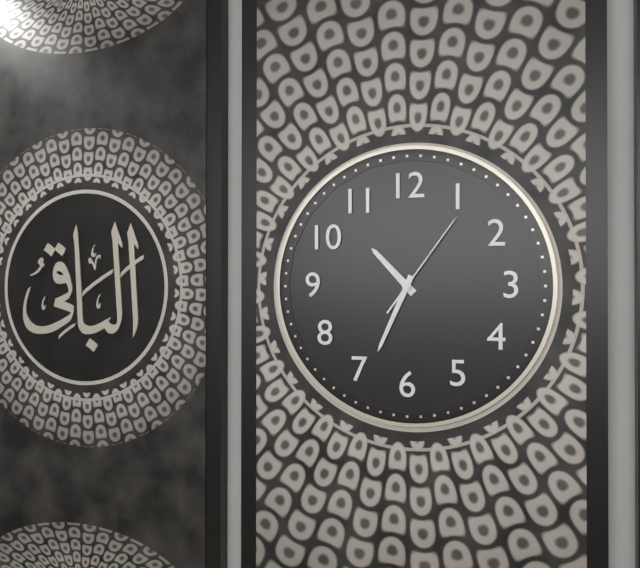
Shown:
10 h 34 min 06 s
